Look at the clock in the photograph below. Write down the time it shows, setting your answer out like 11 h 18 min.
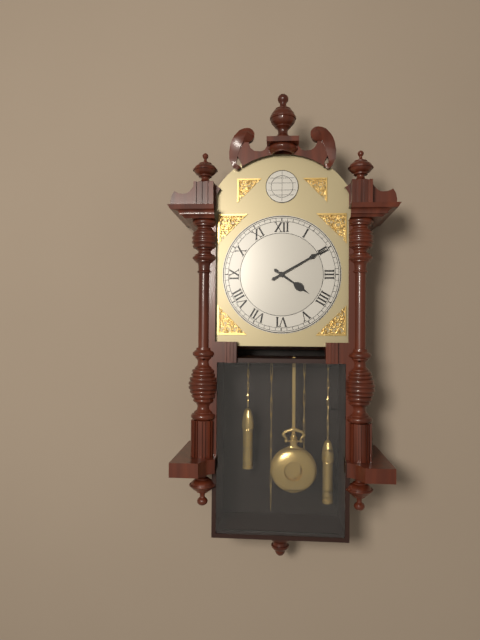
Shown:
4 h 10 min
